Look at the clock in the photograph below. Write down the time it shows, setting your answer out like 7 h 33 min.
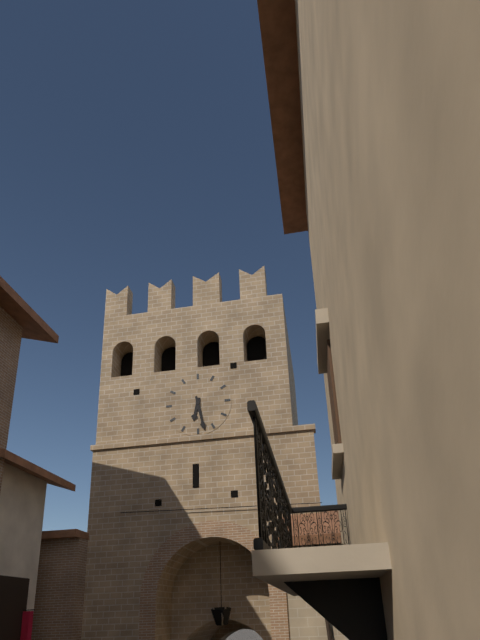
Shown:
6 h 28 min
